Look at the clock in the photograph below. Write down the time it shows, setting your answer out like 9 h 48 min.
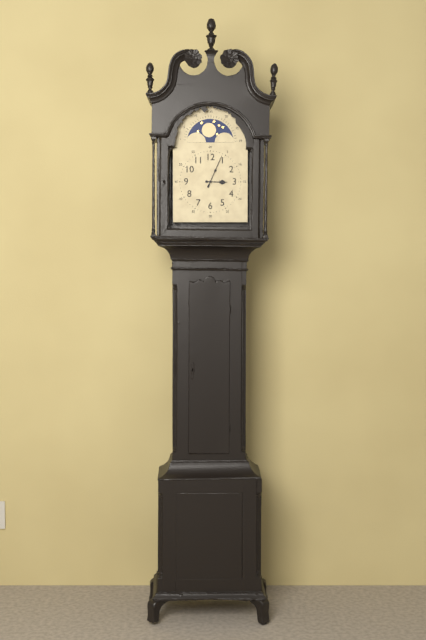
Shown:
3 h 04 min
